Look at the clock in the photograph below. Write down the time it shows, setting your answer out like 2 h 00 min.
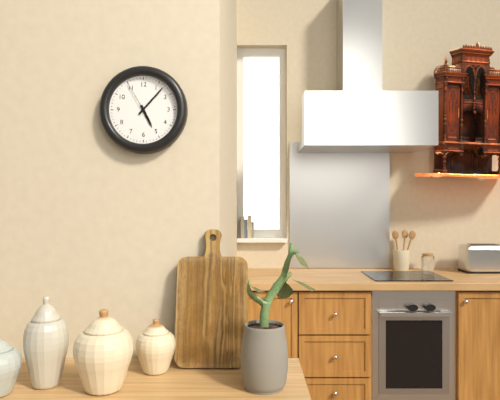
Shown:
5 h 07 min
